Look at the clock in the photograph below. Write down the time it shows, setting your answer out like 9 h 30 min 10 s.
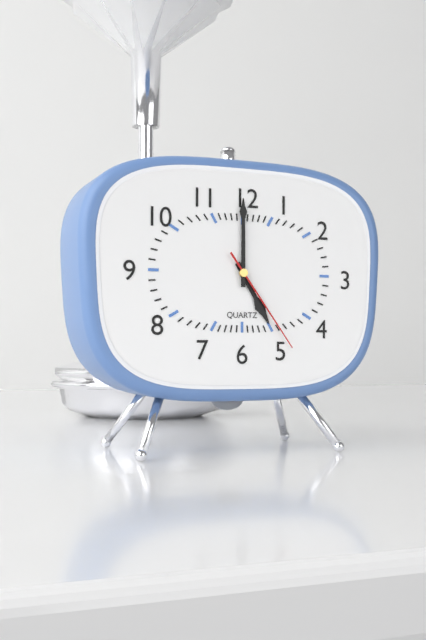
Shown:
5 h 00 min 24 s
